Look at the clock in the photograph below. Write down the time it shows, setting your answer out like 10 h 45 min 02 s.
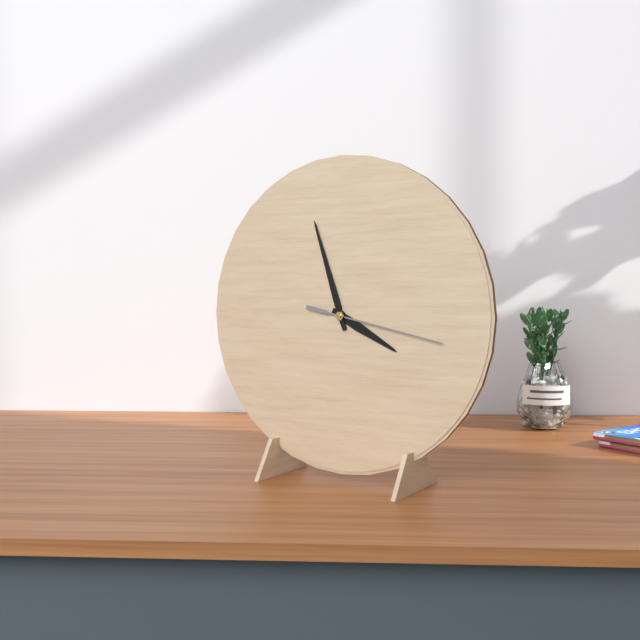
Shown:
3 h 57 min 17 s
